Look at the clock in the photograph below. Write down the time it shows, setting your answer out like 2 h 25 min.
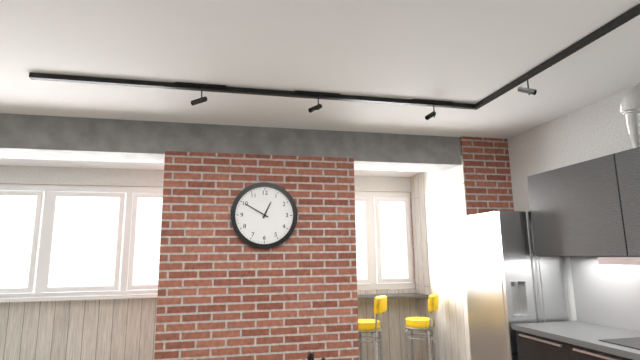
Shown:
12 h 50 min
